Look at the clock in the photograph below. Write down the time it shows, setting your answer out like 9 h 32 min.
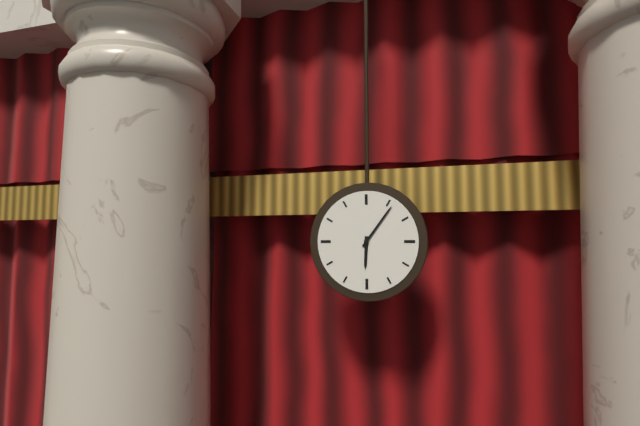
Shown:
6 h 06 min
